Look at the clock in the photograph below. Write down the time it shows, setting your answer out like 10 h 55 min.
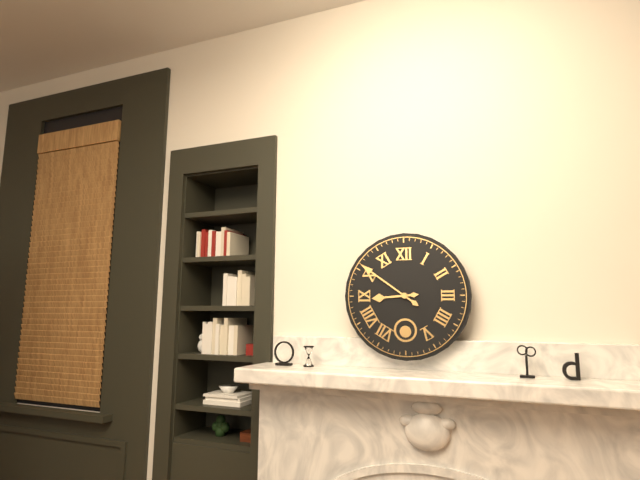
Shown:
8 h 51 min
